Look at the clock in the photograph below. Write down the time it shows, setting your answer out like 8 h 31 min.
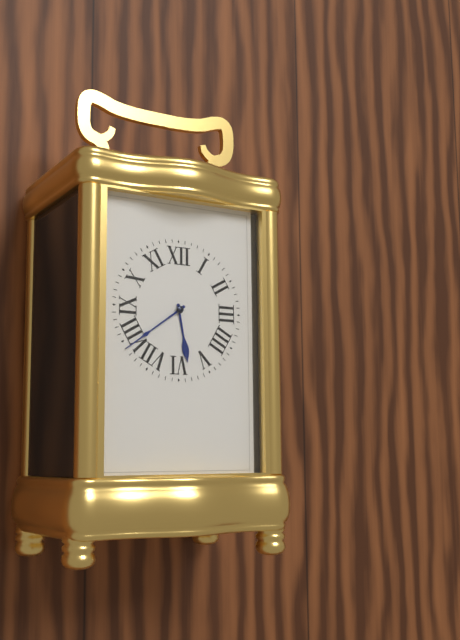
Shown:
5 h 39 min
